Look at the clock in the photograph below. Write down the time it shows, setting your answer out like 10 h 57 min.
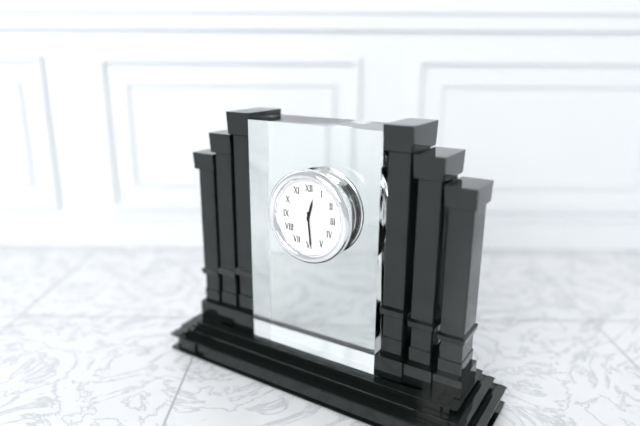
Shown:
12 h 29 min
